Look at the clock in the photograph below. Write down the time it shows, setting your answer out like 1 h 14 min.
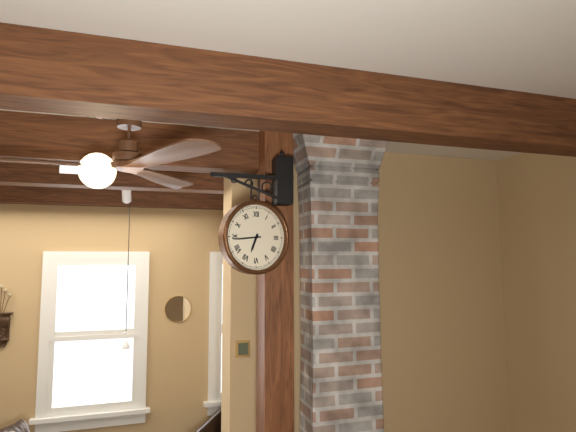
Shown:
6 h 44 min
